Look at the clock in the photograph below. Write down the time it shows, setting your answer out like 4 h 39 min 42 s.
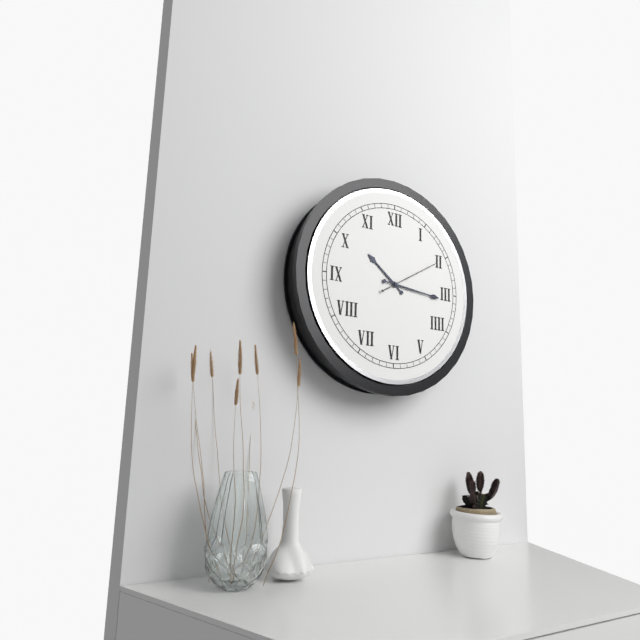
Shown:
10 h 16 min 10 s
